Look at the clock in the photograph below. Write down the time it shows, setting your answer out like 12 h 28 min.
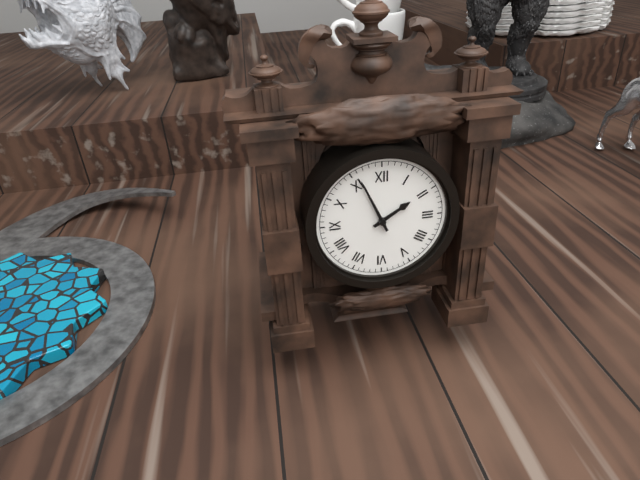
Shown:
1 h 56 min
